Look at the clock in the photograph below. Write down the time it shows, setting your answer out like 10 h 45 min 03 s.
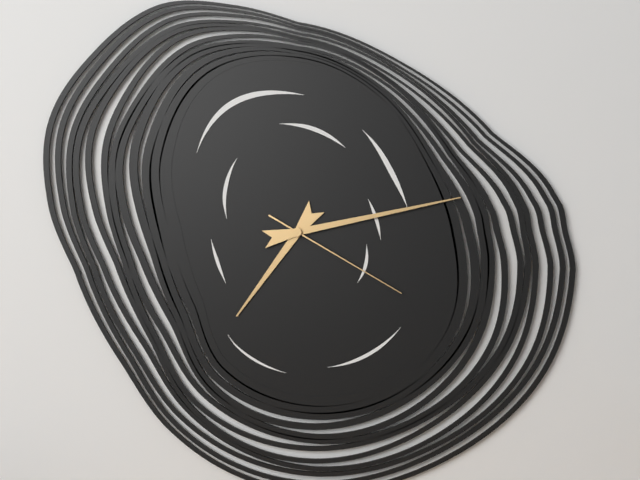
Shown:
7 h 13 min 20 s
